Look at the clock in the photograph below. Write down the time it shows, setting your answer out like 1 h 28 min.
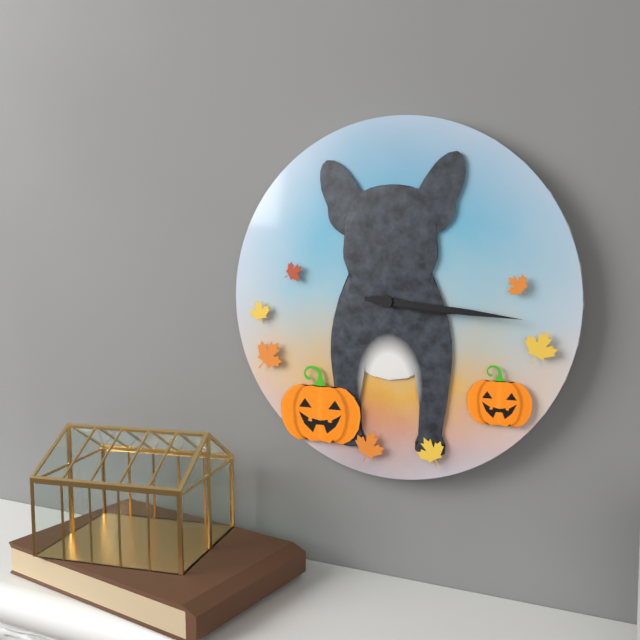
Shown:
3 h 16 min
